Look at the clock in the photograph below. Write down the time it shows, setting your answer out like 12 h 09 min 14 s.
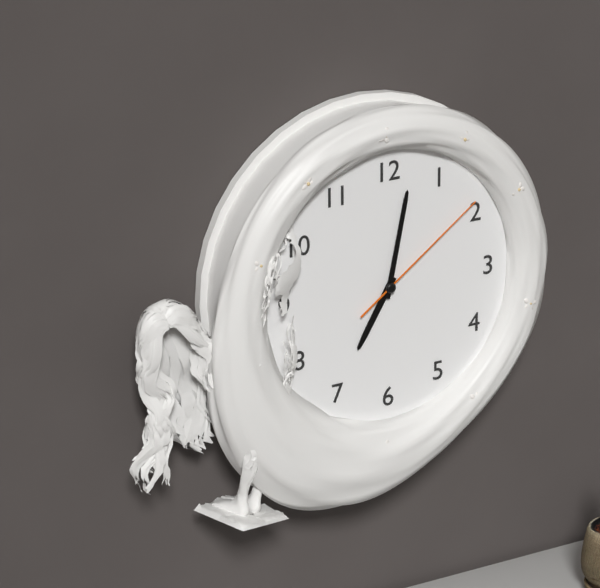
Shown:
7 h 02 min 09 s
